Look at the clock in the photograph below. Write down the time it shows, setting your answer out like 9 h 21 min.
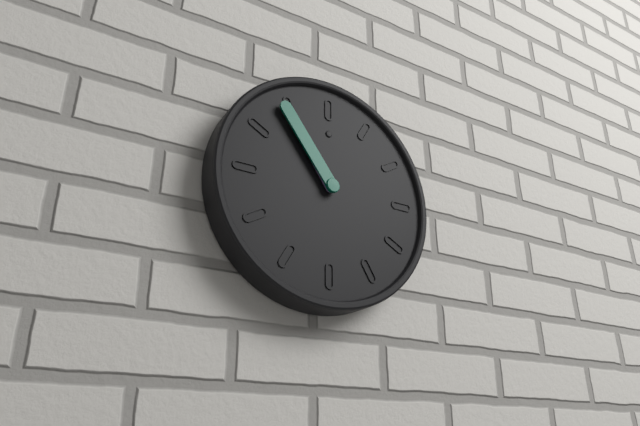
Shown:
10 h 54 min
